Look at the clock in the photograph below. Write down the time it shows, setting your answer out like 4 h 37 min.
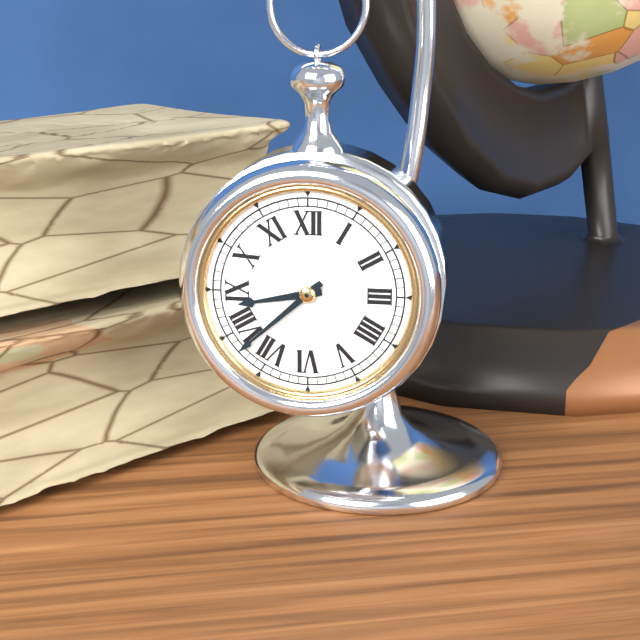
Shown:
8 h 38 min
